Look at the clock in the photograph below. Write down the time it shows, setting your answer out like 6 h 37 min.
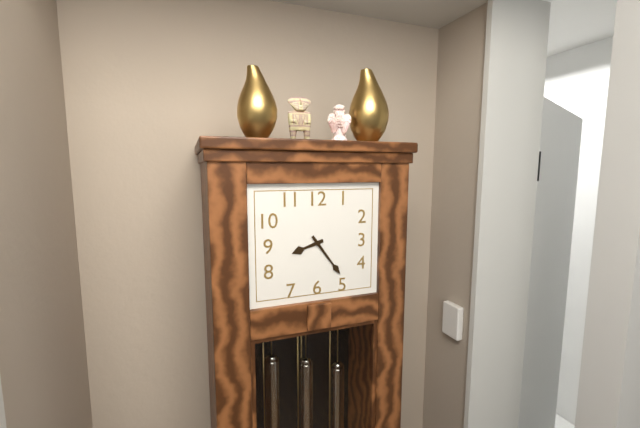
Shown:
8 h 24 min
